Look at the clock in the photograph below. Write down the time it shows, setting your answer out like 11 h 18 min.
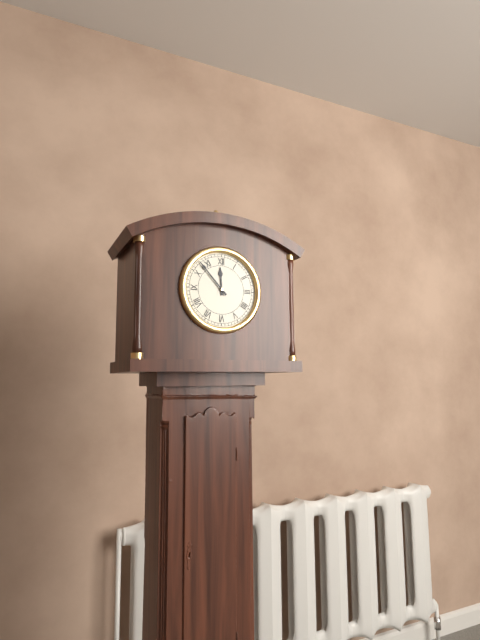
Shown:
11 h 53 min
